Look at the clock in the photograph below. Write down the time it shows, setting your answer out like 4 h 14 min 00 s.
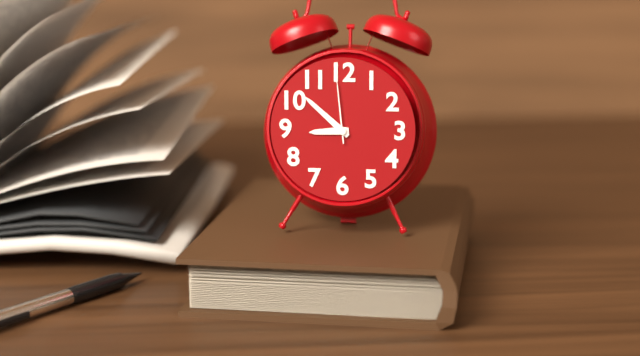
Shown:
8 h 52 min 59 s
